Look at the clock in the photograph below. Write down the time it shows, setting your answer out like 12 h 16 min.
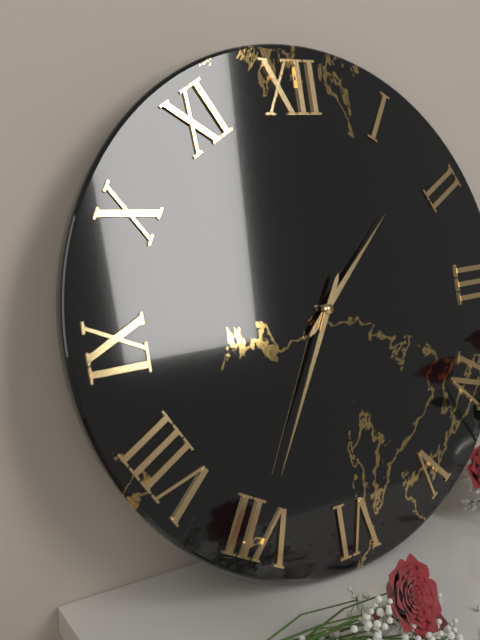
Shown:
1 h 35 min
